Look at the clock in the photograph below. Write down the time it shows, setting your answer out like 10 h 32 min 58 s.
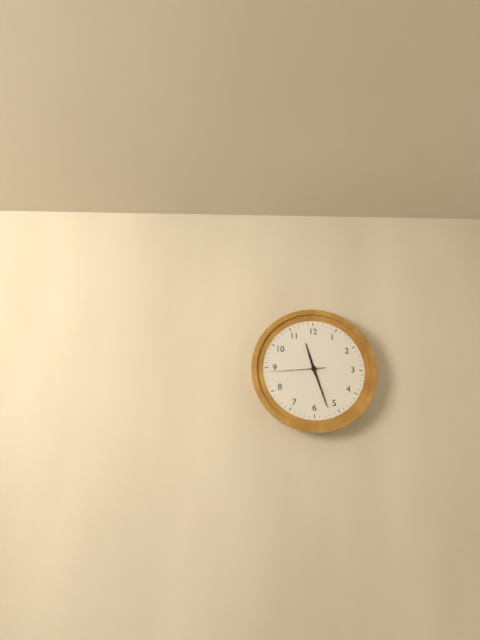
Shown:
11 h 27 min 44 s
